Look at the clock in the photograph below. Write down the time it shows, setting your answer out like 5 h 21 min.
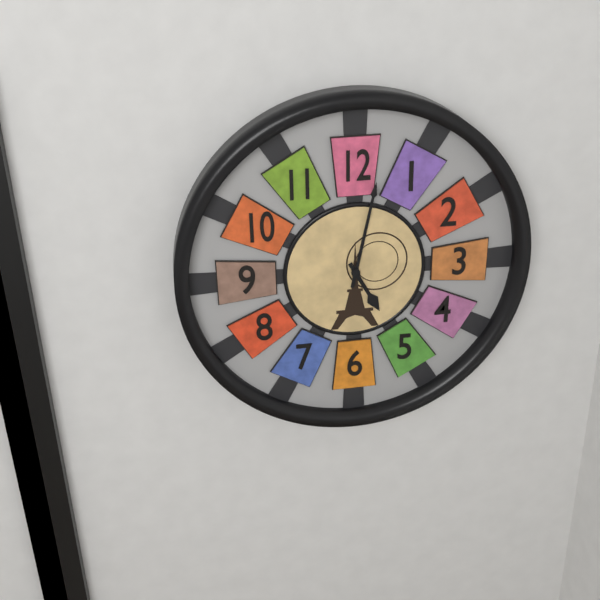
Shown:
5 h 02 min
